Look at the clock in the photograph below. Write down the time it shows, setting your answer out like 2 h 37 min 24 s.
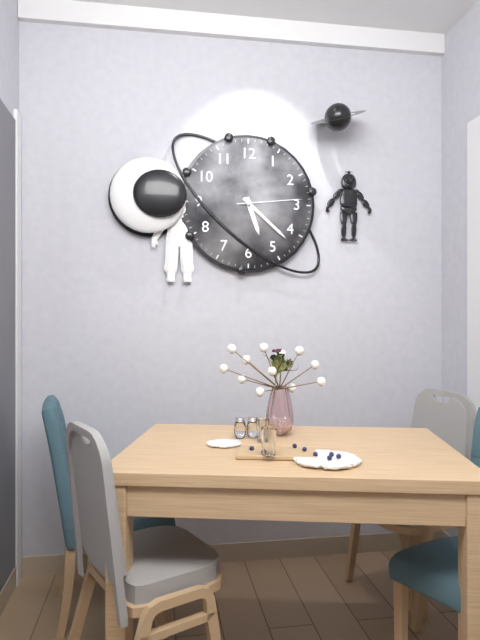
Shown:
5 h 22 min 14 s
